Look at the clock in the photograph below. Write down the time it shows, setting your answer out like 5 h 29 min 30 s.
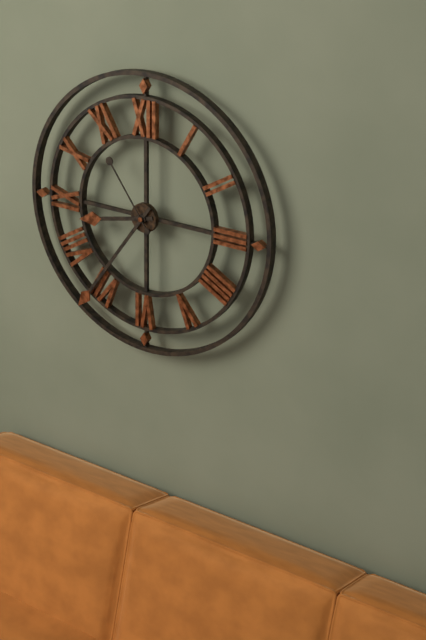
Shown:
8 h 36 min 54 s
